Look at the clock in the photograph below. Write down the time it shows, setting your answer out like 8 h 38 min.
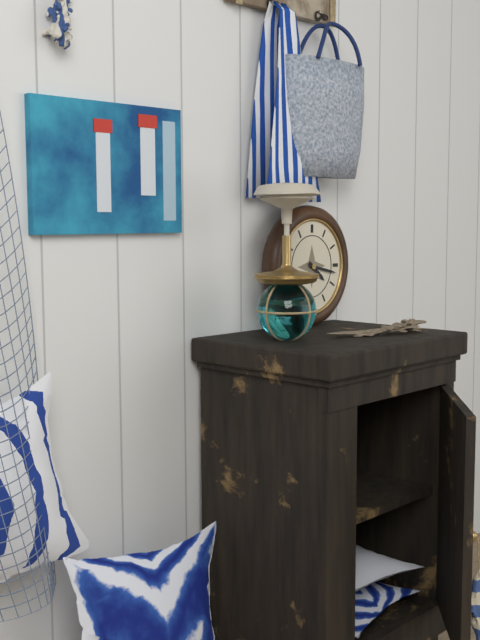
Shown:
4 h 17 min
